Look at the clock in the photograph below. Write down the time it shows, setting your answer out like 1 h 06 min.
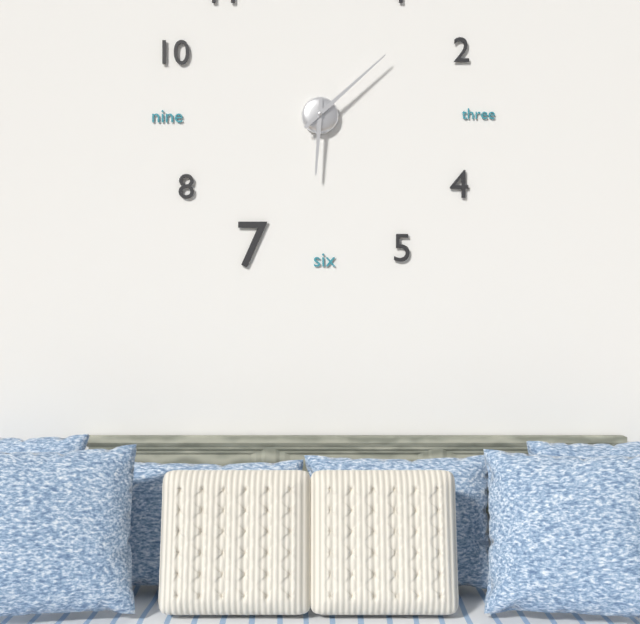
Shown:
6 h 08 min
